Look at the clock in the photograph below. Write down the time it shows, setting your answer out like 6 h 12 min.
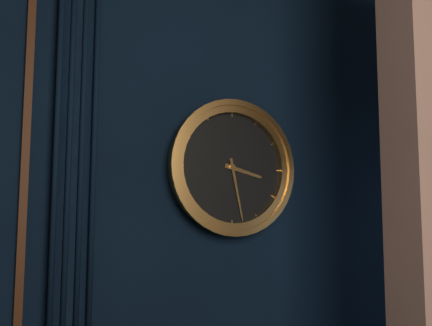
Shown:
3 h 28 min
